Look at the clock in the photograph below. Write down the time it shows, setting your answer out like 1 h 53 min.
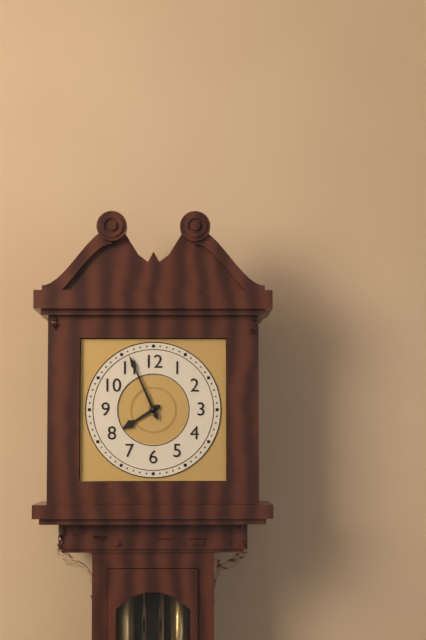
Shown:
7 h 56 min
